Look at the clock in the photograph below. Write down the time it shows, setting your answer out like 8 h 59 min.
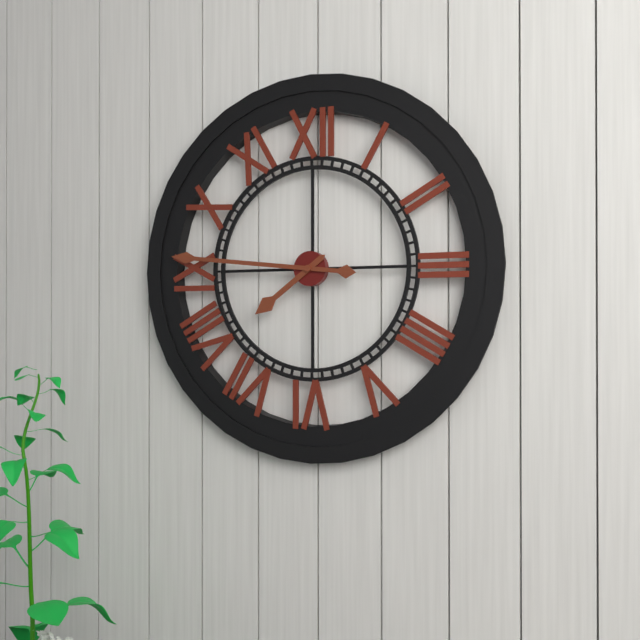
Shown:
7 h 46 min
